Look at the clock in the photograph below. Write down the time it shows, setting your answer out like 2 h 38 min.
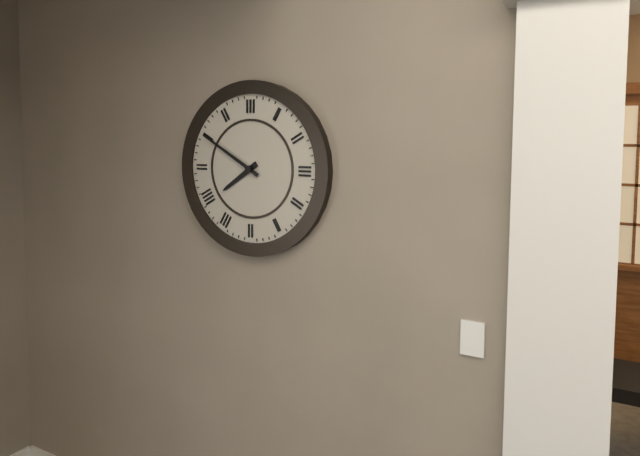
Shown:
7 h 50 min
